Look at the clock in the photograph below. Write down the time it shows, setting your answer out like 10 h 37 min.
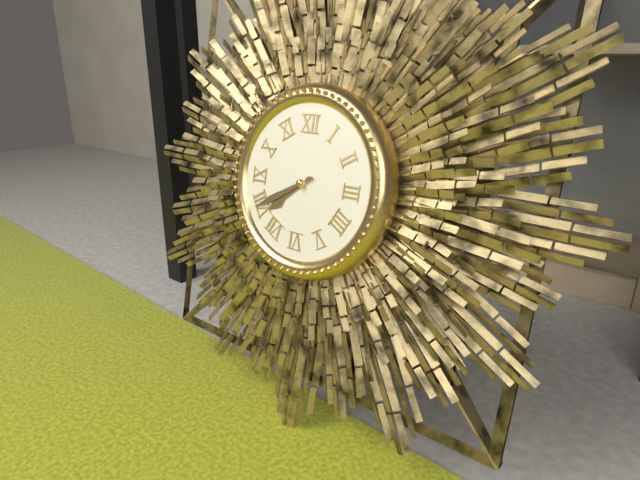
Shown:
7 h 40 min
